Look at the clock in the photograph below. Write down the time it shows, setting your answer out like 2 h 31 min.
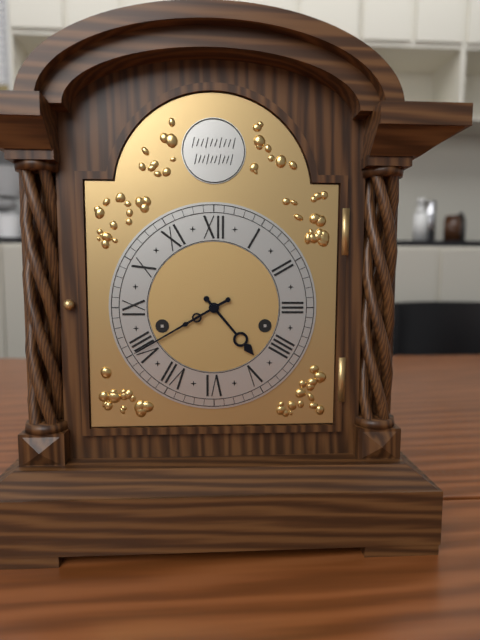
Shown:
4 h 40 min
